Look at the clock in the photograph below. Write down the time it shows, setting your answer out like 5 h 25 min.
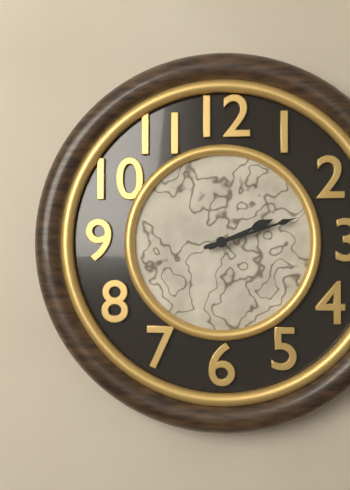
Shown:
2 h 12 min
